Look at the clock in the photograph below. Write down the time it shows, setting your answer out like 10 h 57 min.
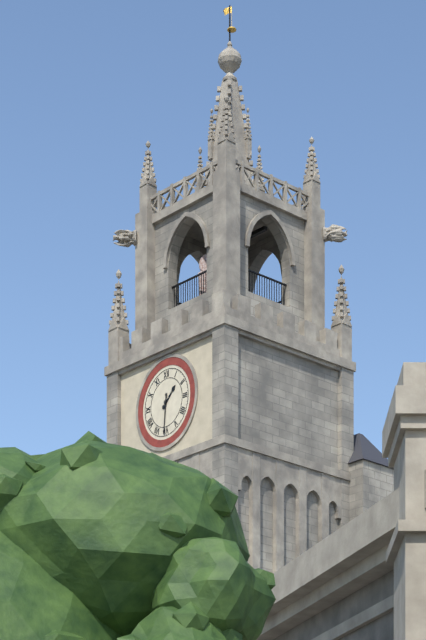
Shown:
1 h 31 min
